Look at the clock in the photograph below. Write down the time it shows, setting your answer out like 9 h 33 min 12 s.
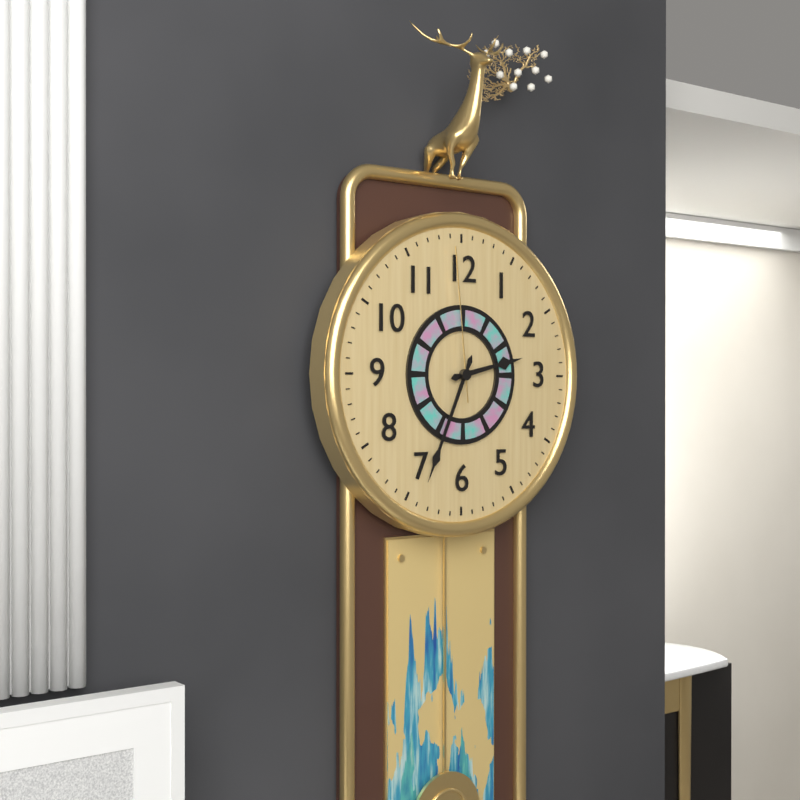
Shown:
2 h 34 min 59 s
